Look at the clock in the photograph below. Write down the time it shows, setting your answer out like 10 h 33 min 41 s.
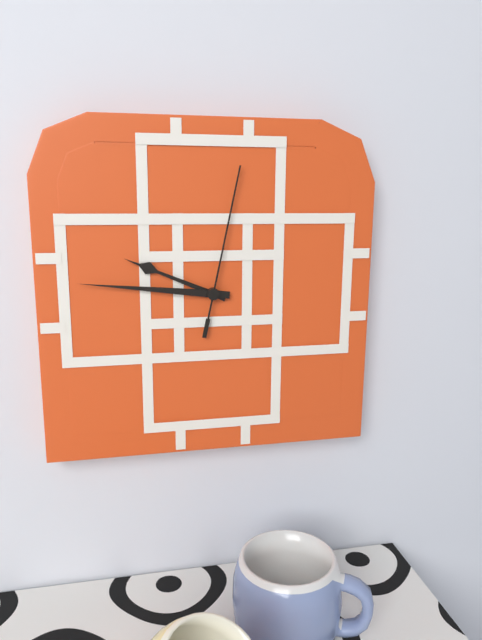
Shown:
9 h 46 min 02 s
